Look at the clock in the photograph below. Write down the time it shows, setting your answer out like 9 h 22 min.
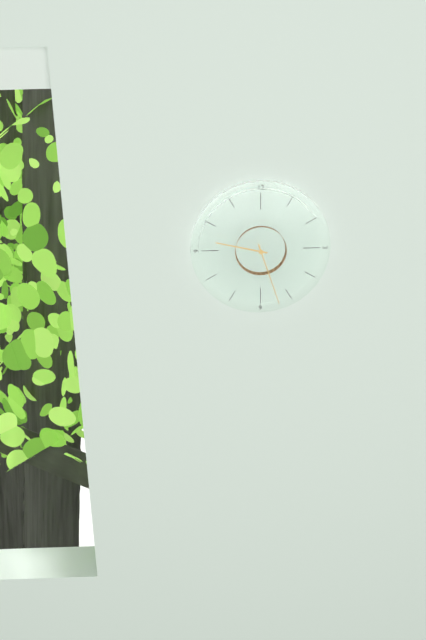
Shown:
9 h 27 min
